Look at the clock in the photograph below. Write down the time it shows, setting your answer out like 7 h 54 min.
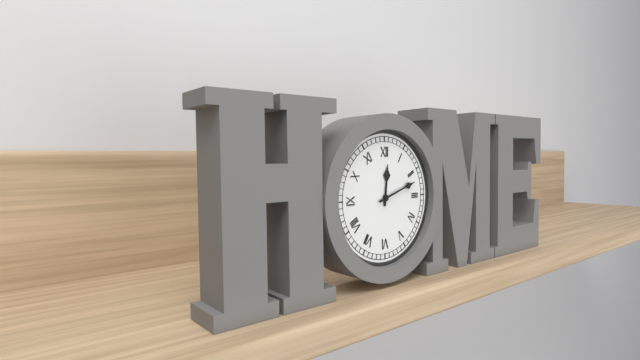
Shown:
12 h 12 min
